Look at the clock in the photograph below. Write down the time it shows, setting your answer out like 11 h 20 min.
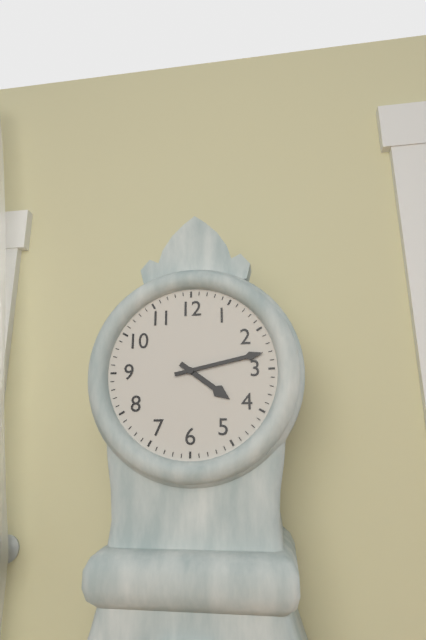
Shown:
4 h 13 min
